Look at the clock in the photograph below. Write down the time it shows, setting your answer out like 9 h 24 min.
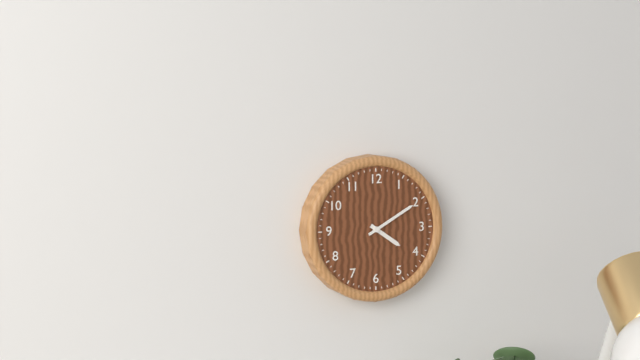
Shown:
4 h 10 min
